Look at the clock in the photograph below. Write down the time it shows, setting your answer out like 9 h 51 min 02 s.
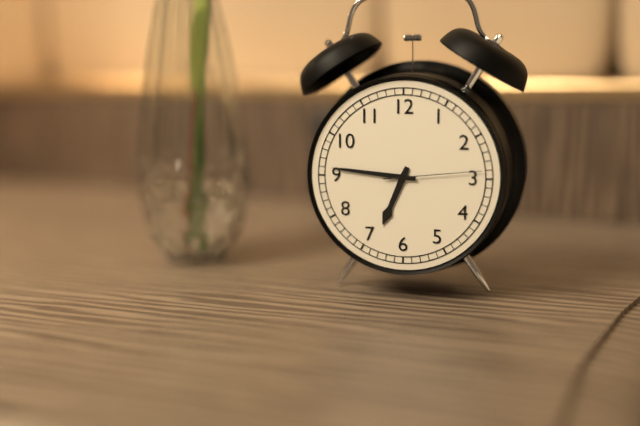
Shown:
6 h 46 min 14 s
